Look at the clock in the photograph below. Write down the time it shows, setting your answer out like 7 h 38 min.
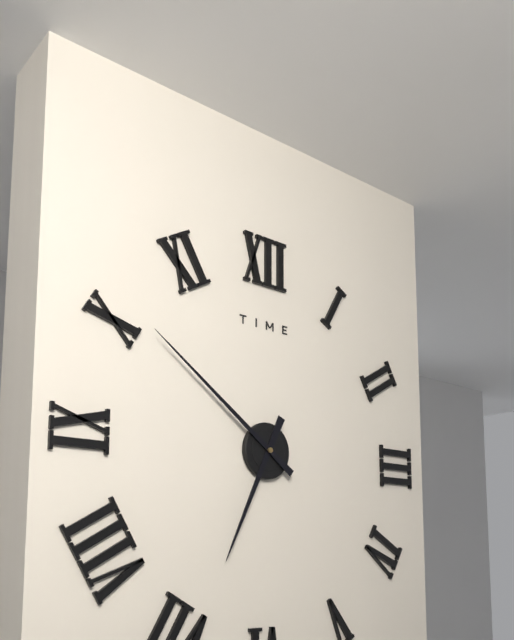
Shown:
6 h 51 min
